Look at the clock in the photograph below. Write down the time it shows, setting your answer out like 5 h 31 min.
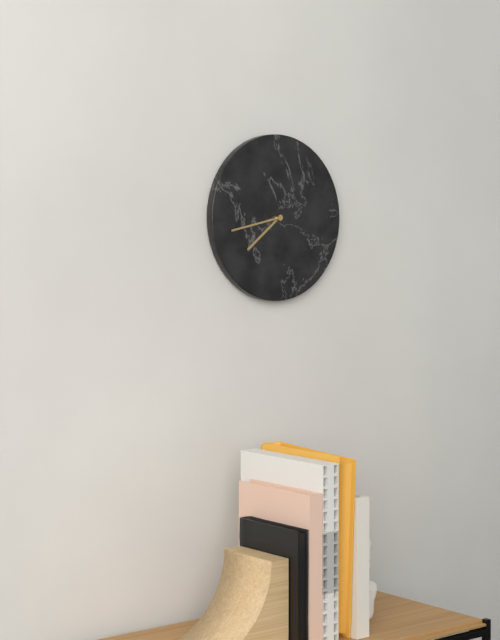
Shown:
7 h 43 min
